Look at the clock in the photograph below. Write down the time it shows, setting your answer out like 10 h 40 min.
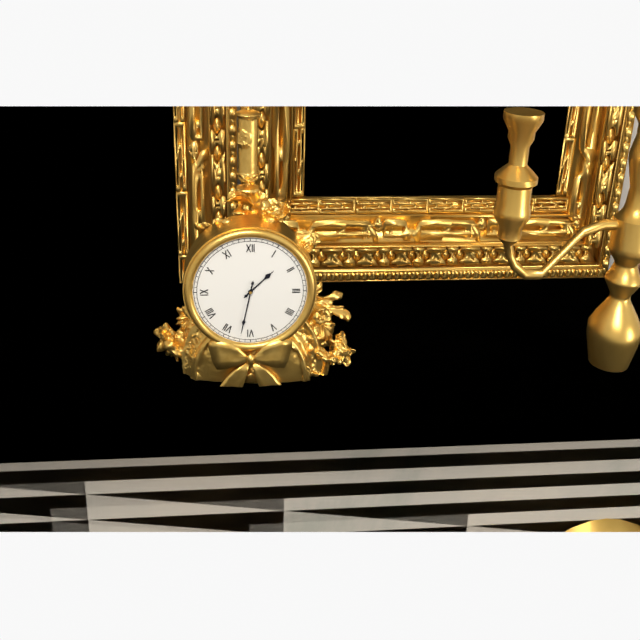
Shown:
1 h 32 min
